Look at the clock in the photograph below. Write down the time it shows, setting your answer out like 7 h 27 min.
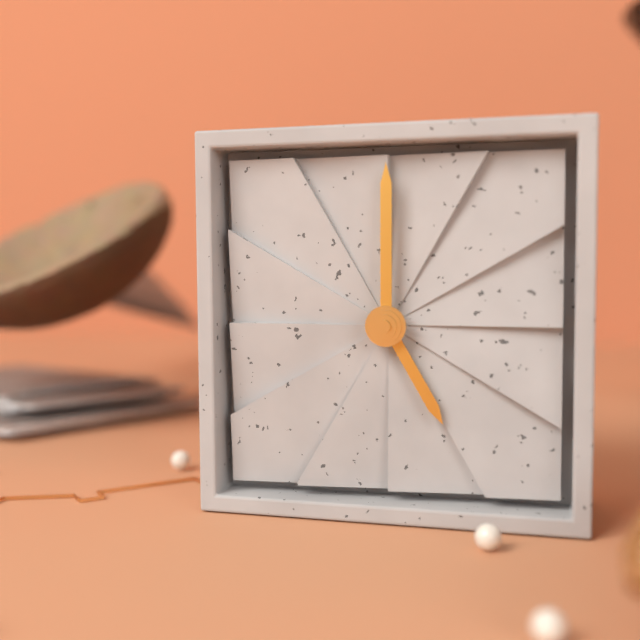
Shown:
5 h 00 min
